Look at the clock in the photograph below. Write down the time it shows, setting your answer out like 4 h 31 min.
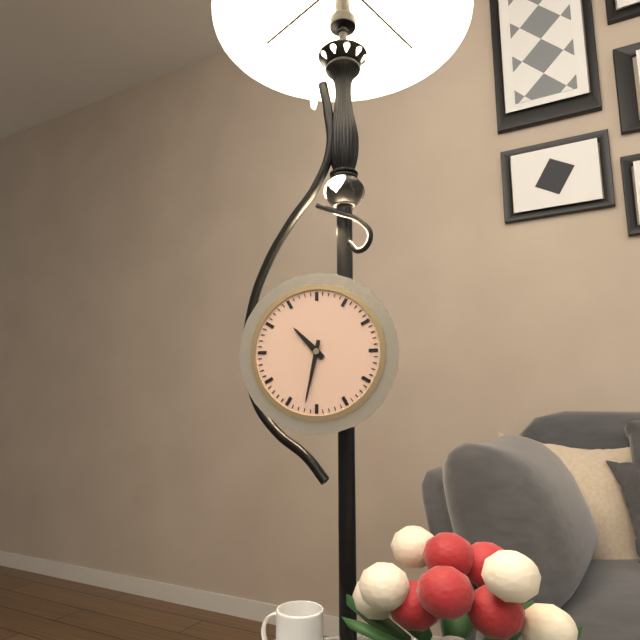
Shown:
10 h 32 min
